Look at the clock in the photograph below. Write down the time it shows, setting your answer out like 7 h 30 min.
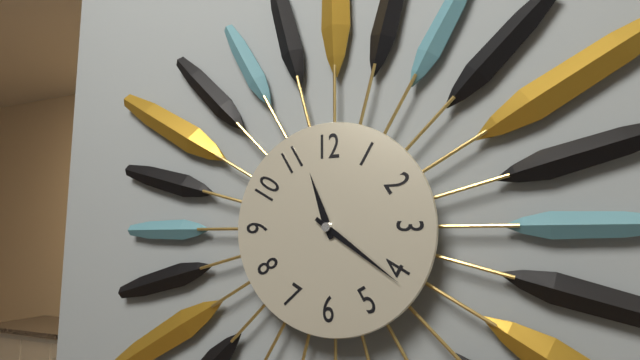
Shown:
11 h 21 min
